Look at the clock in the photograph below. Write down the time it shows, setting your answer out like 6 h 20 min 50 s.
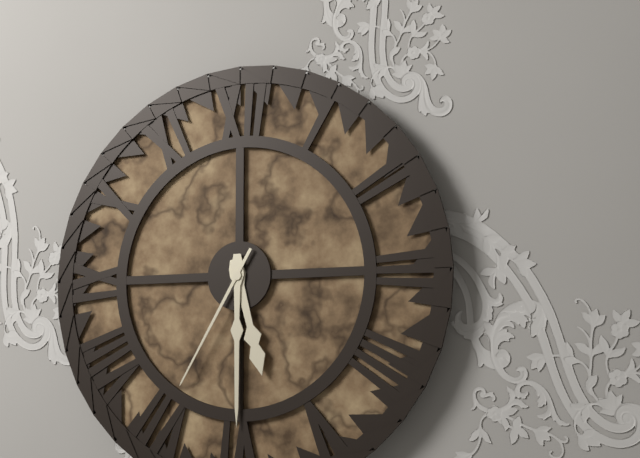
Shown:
5 h 30 min 35 s
